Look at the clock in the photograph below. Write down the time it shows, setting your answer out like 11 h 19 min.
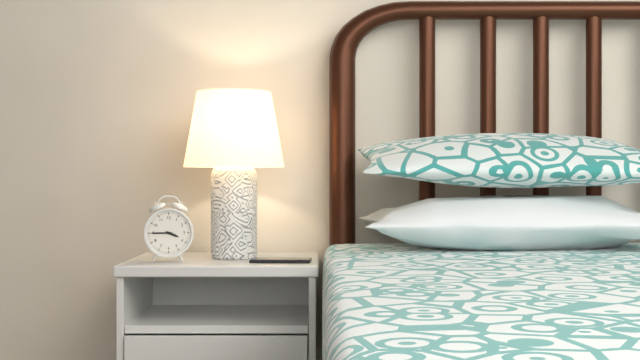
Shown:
3 h 45 min
